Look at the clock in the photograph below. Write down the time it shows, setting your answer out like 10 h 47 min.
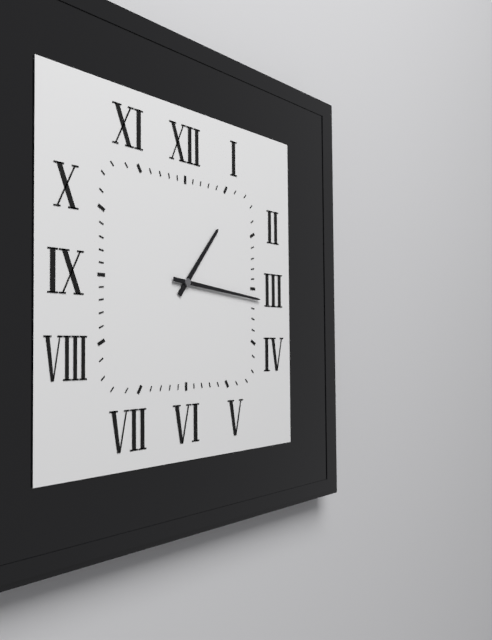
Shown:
1 h 16 min
